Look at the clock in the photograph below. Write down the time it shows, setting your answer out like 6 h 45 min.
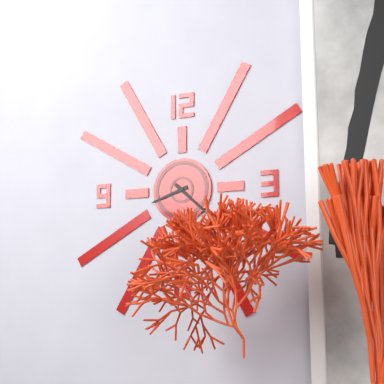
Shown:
8 h 22 min
